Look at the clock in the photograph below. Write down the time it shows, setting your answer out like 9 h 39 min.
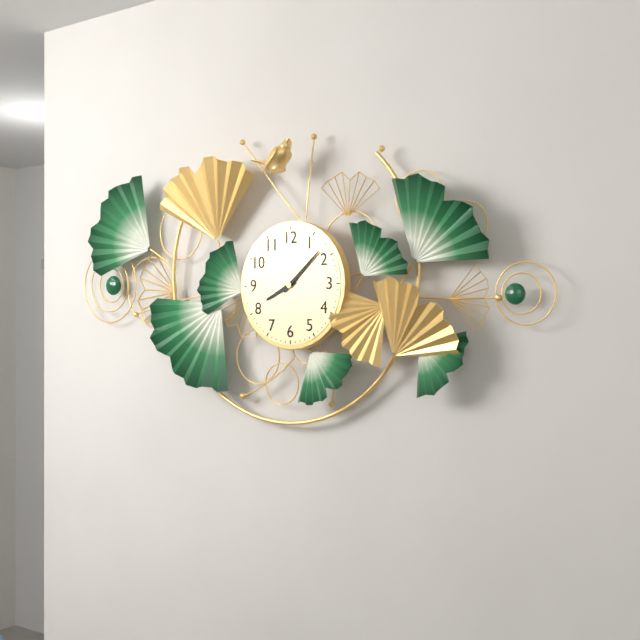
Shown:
8 h 08 min
